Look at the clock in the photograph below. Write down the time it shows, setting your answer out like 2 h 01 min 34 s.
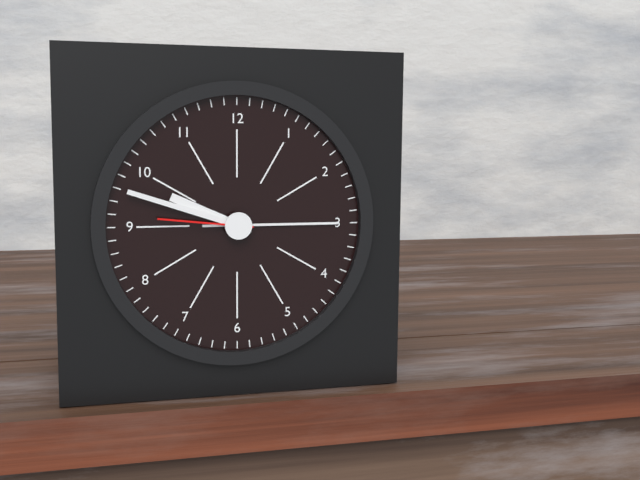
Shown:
9 h 48 min 46 s
